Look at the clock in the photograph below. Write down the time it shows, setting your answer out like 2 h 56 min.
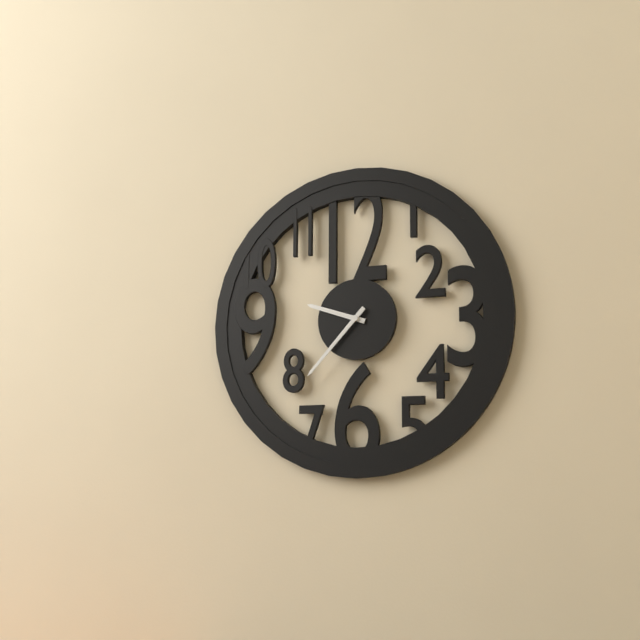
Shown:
9 h 37 min
